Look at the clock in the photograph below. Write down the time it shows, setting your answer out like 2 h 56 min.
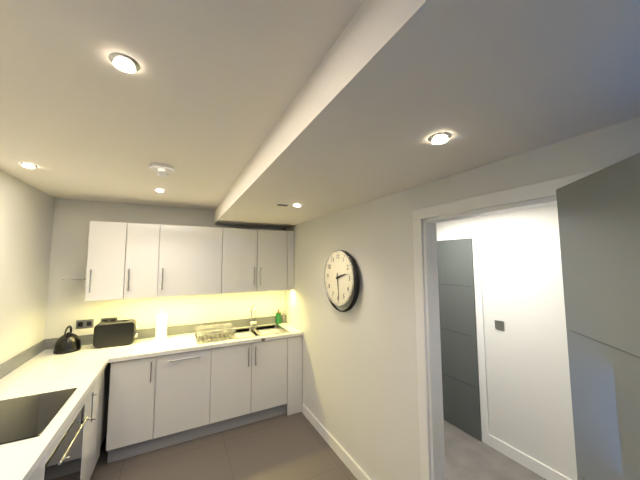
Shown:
2 h 29 min
